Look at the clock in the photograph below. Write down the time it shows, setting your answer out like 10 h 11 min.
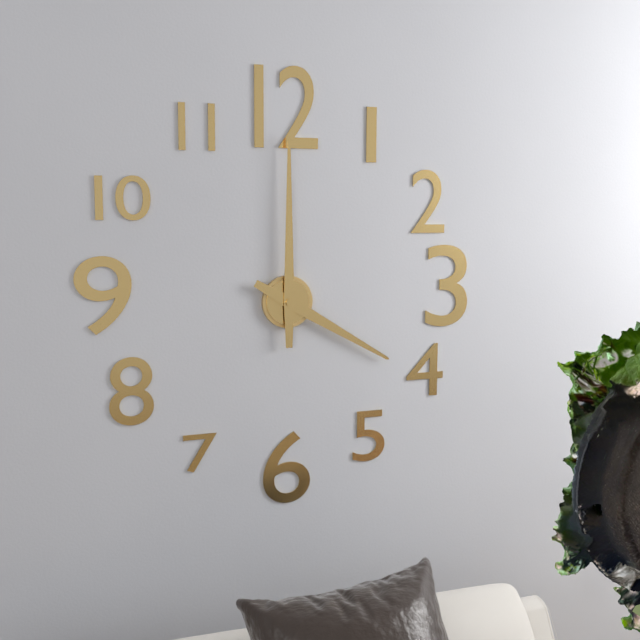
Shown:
4 h 00 min
